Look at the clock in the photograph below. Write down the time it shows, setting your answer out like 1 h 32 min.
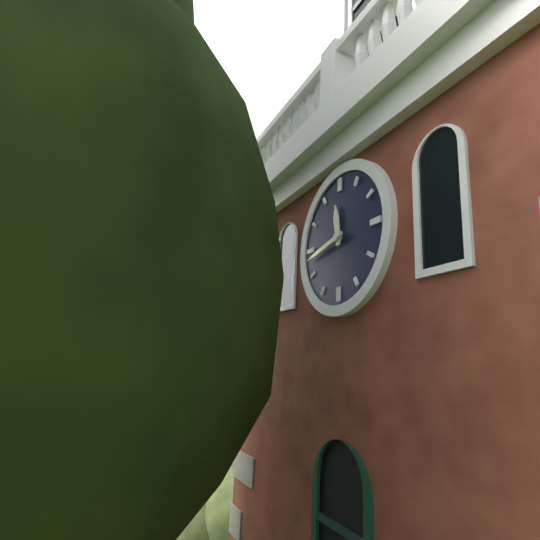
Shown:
11 h 43 min
